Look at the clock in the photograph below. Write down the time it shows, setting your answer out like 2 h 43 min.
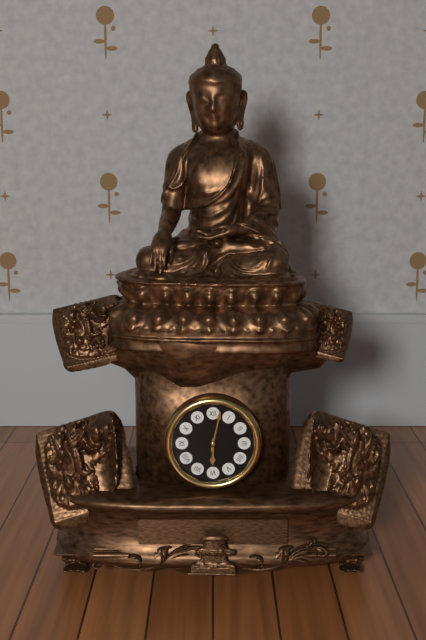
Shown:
6 h 02 min
